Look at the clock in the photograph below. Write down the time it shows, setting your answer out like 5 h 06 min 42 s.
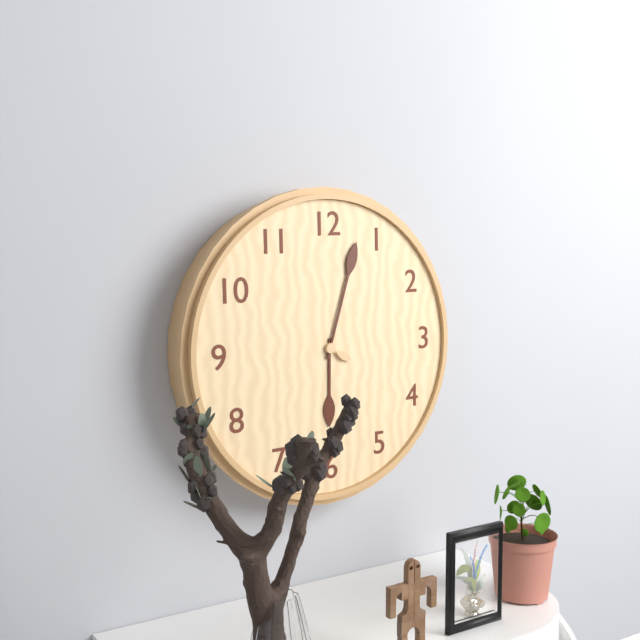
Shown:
6 h 03 min 20 s
